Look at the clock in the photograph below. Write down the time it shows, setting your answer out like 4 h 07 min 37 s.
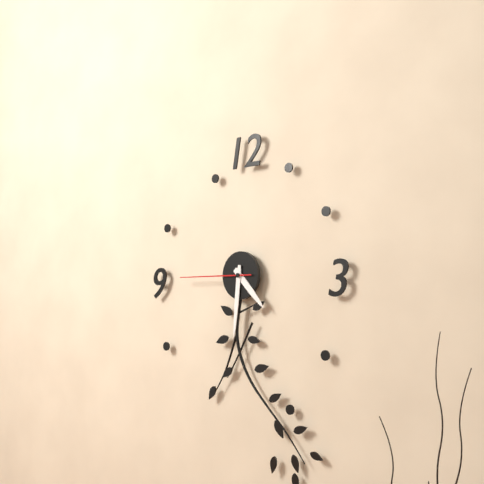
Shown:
4 h 31 min 45 s
